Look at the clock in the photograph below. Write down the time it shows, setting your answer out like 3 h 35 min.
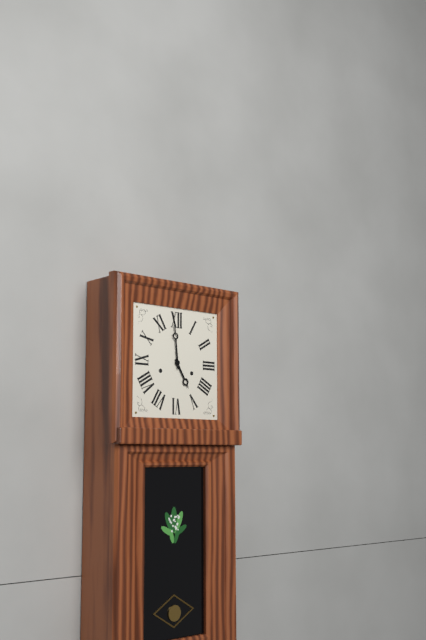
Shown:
4 h 59 min
